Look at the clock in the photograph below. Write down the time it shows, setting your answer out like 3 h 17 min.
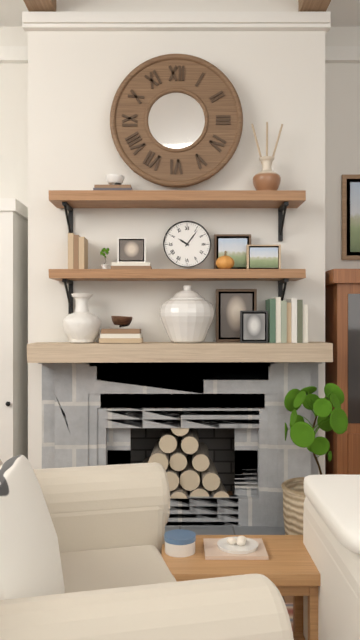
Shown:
10 h 06 min
